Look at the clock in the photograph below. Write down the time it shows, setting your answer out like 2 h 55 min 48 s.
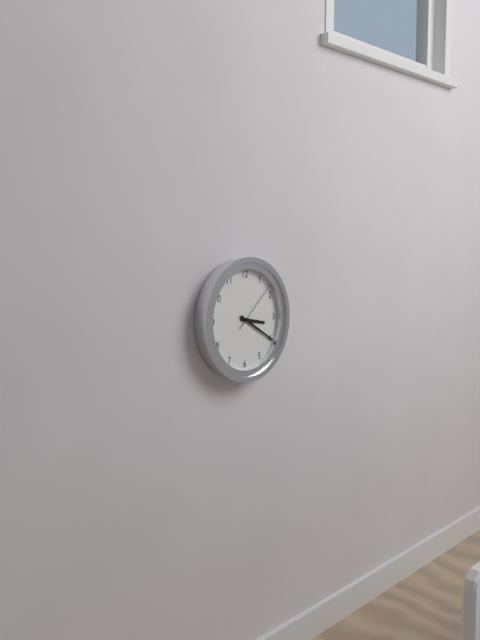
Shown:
3 h 20 min 08 s
